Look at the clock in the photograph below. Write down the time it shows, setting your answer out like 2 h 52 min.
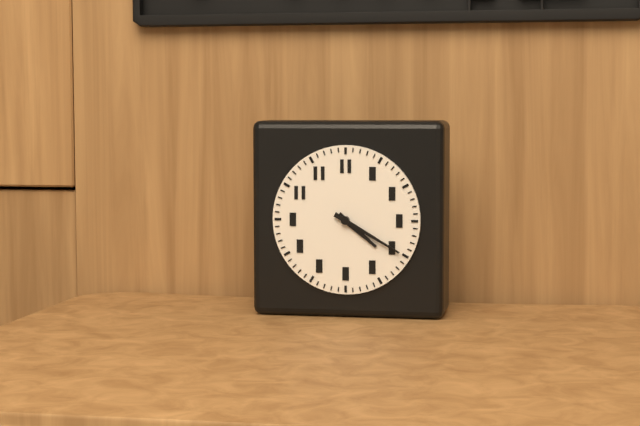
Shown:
4 h 20 min
